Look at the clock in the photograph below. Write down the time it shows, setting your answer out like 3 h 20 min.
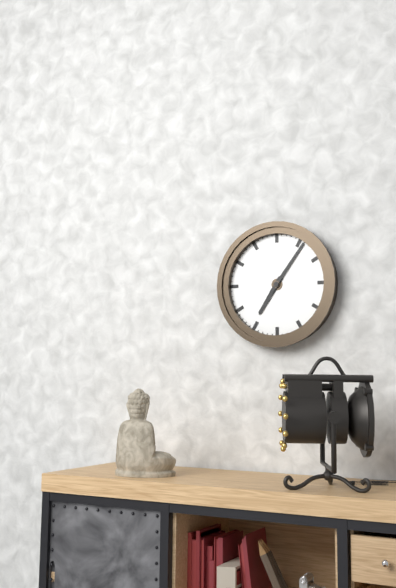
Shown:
7 h 06 min
